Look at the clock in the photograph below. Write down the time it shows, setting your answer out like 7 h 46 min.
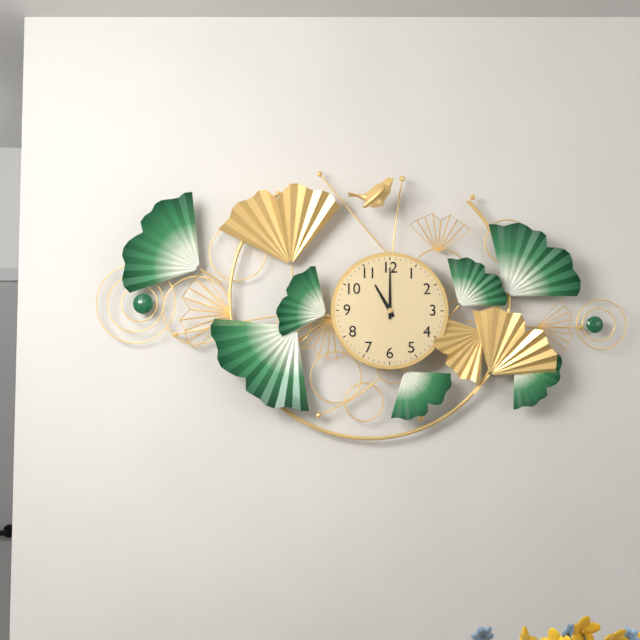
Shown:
11 h 00 min
